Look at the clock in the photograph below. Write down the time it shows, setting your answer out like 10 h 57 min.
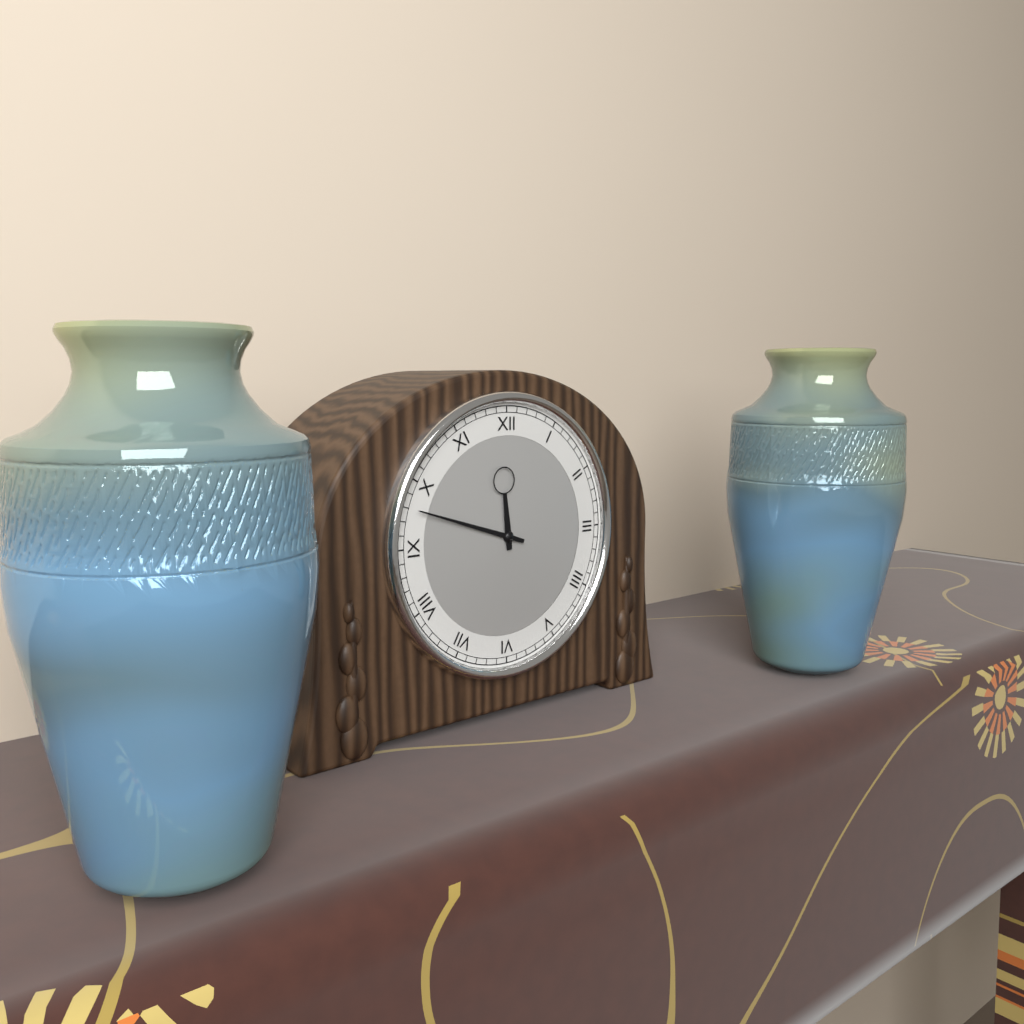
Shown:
11 h 48 min
